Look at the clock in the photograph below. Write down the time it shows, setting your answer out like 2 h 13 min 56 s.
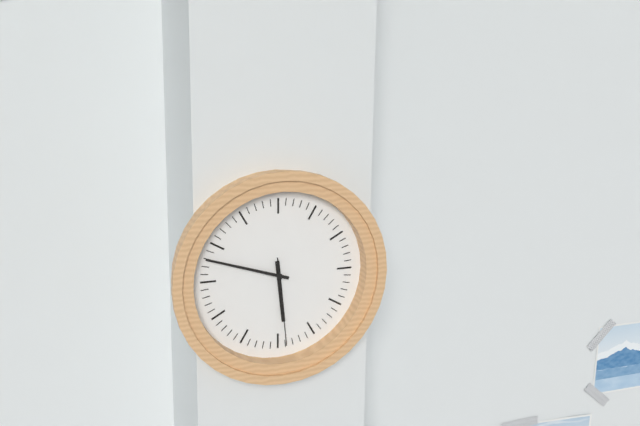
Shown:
5 h 48 min 29 s
